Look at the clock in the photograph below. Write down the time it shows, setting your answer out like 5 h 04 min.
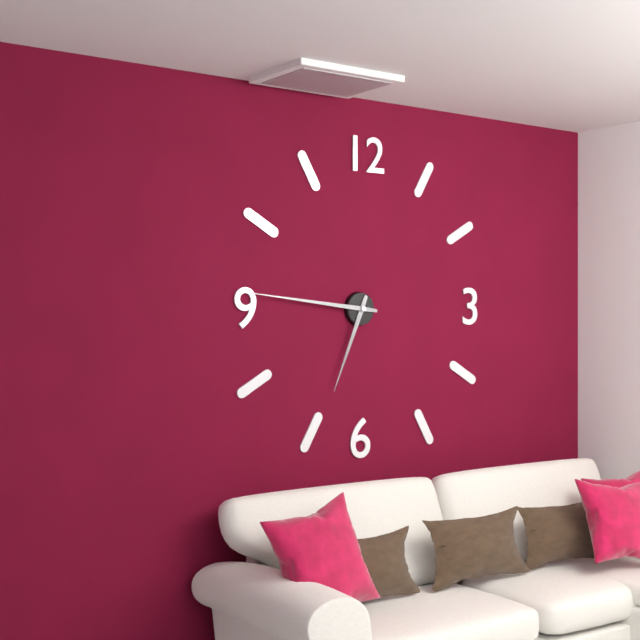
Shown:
6 h 46 min
